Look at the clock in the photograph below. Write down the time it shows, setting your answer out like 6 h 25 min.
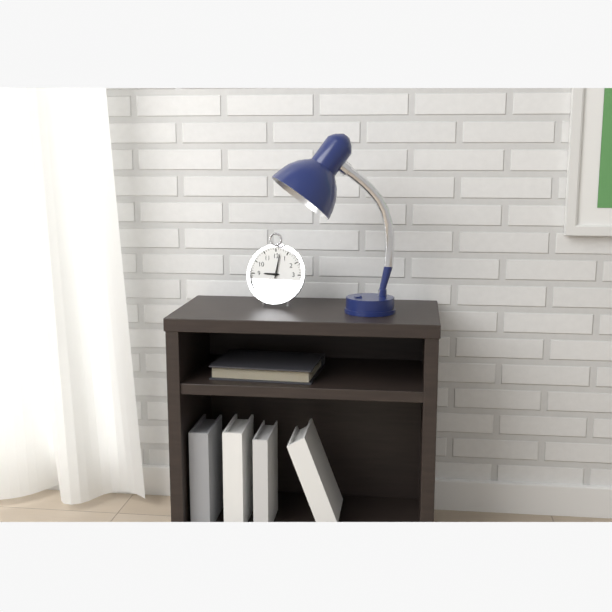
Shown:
9 h 02 min
